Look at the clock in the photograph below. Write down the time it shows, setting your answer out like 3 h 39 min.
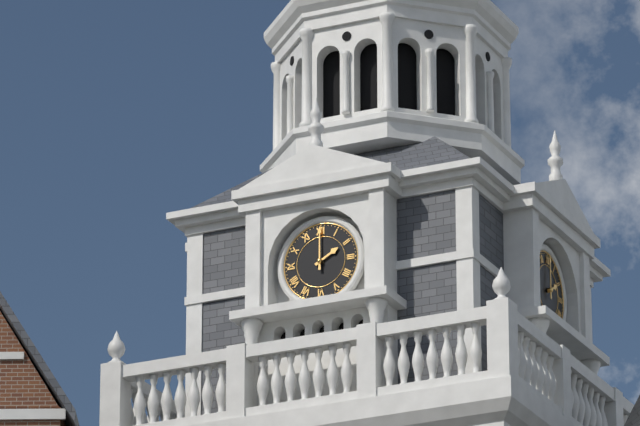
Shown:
2 h 00 min
